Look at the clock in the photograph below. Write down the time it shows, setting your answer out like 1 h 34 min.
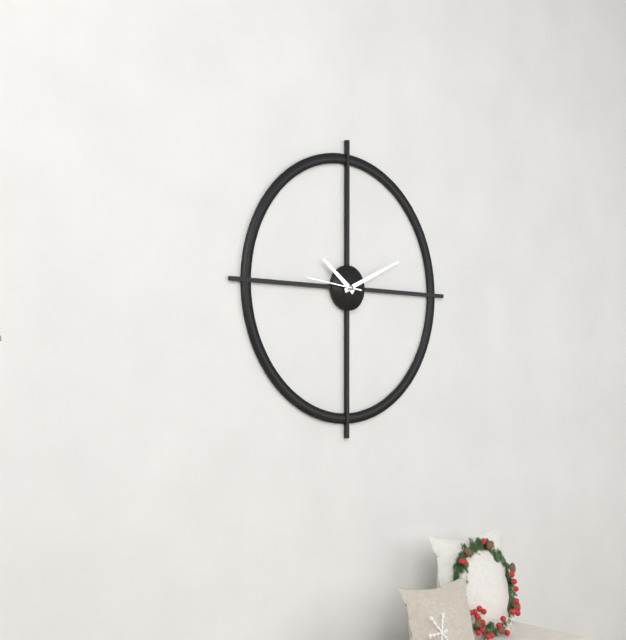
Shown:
10 h 11 min
